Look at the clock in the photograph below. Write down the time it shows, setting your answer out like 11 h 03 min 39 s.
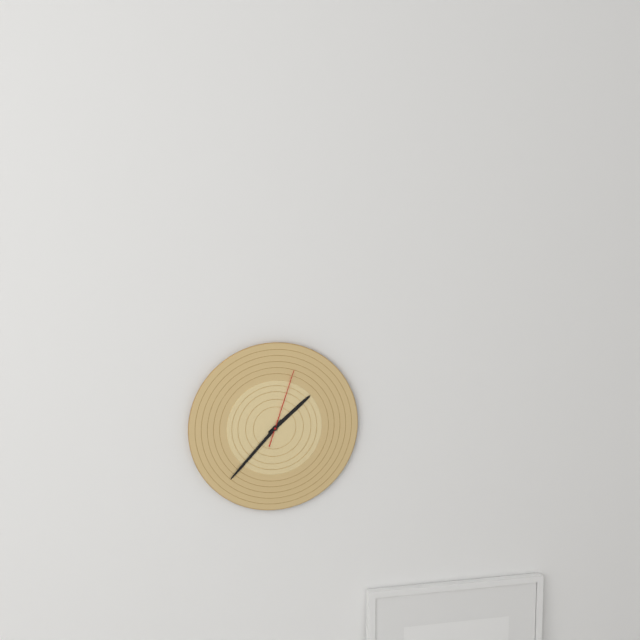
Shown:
1 h 37 min 03 s
